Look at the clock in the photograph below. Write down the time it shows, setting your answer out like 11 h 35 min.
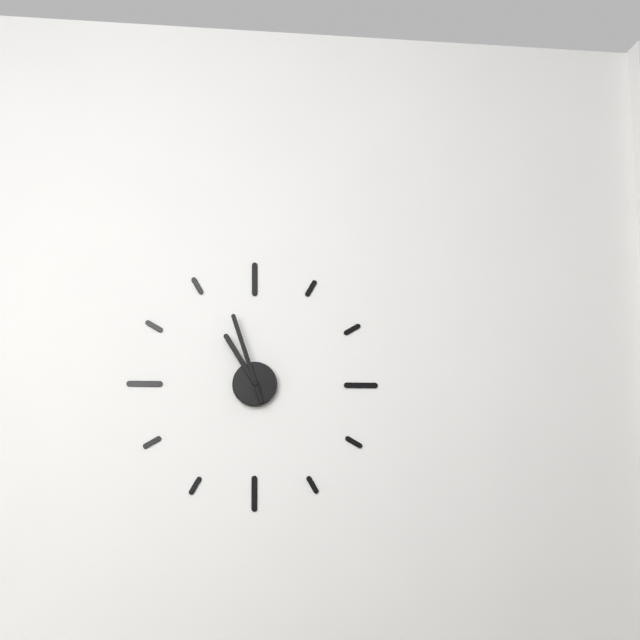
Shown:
10 h 57 min
